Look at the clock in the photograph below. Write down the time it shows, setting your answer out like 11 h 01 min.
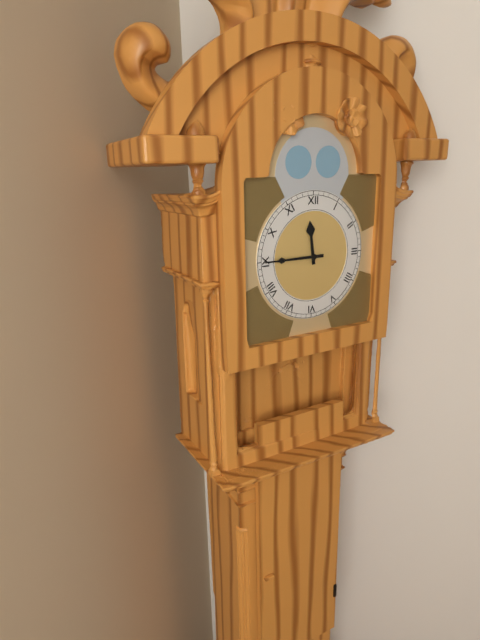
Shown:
11 h 45 min
